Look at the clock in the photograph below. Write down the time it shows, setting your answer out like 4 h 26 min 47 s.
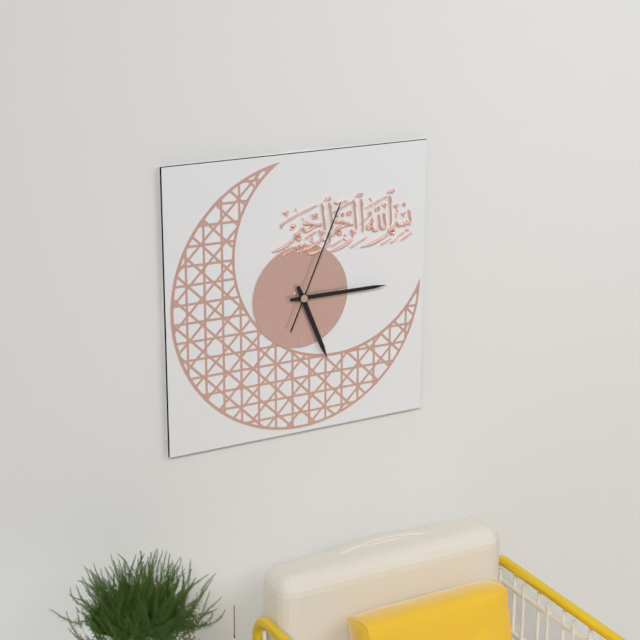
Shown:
5 h 15 min 04 s
